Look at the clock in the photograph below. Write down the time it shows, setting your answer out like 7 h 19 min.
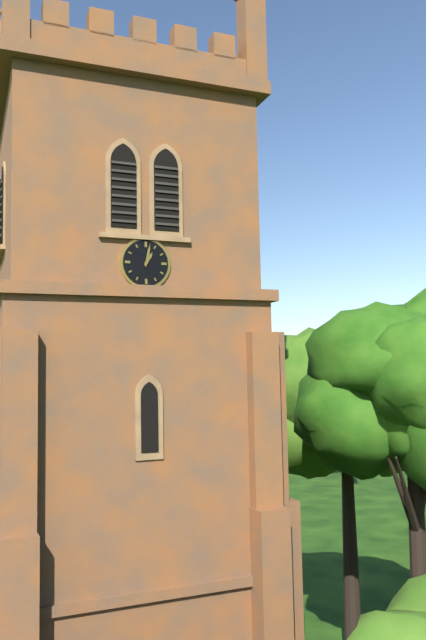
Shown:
1 h 02 min
